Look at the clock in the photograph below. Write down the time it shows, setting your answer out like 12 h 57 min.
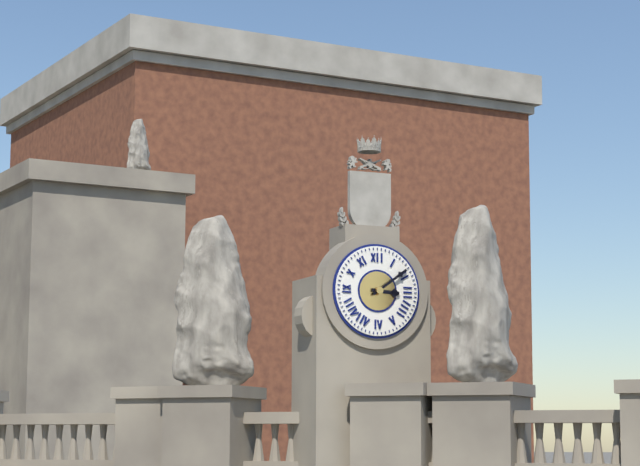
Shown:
3 h 09 min
